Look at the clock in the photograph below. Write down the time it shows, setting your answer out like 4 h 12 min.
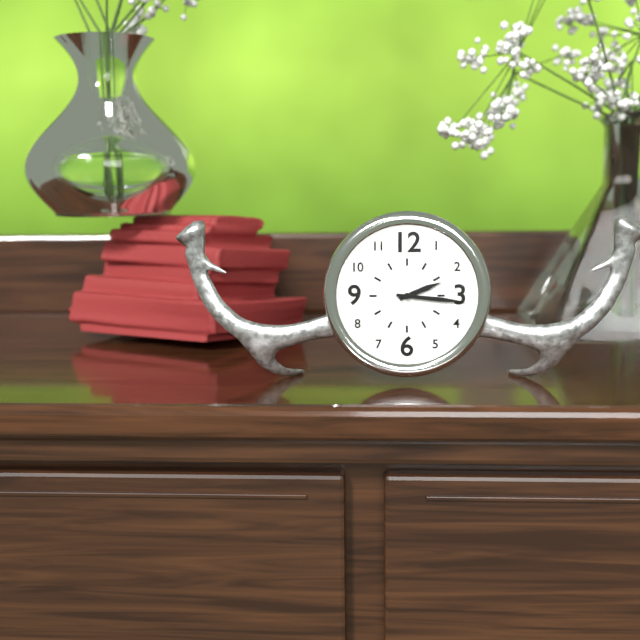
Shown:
2 h 16 min
